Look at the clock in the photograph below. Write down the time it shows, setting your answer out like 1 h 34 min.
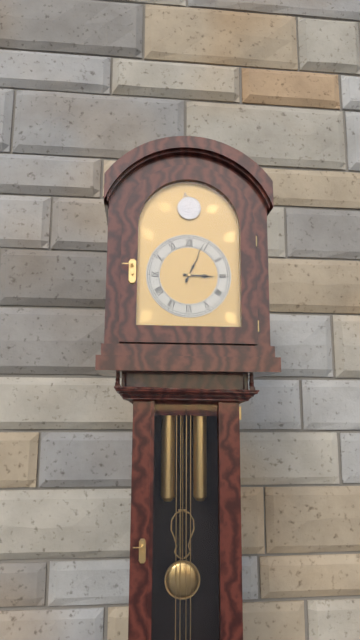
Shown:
3 h 04 min
